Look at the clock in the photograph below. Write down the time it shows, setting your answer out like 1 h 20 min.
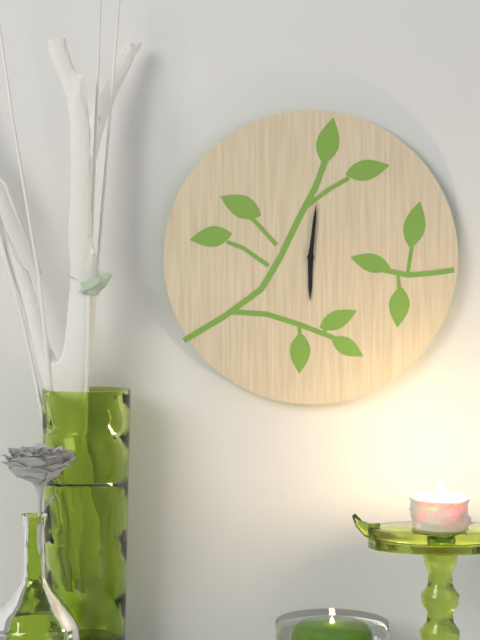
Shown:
6 h 01 min
